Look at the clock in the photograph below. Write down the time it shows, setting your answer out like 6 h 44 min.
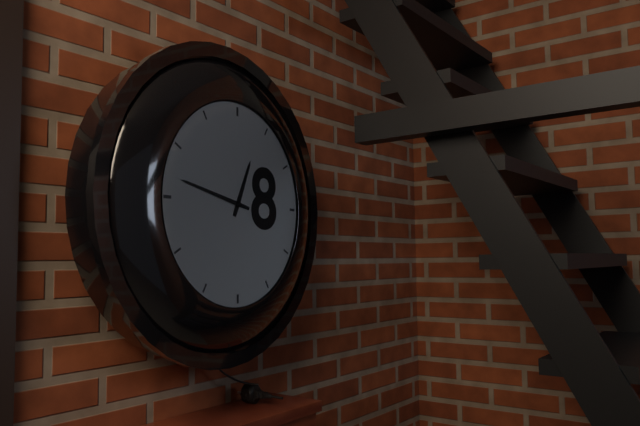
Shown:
12 h 47 min
